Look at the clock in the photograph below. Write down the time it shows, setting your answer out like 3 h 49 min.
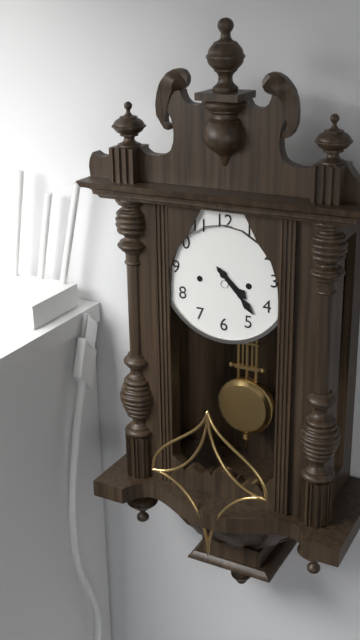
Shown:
4 h 23 min
